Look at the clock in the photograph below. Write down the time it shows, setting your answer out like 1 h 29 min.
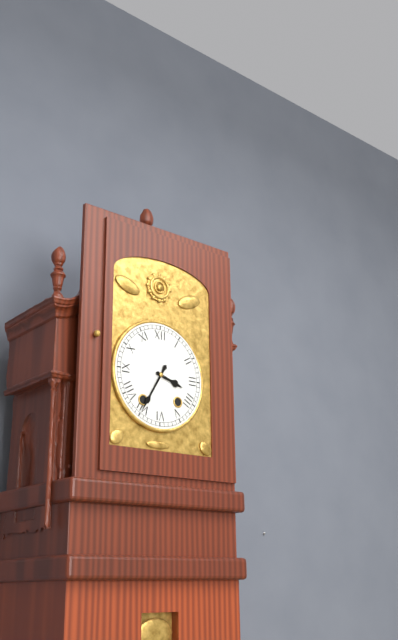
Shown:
3 h 35 min
